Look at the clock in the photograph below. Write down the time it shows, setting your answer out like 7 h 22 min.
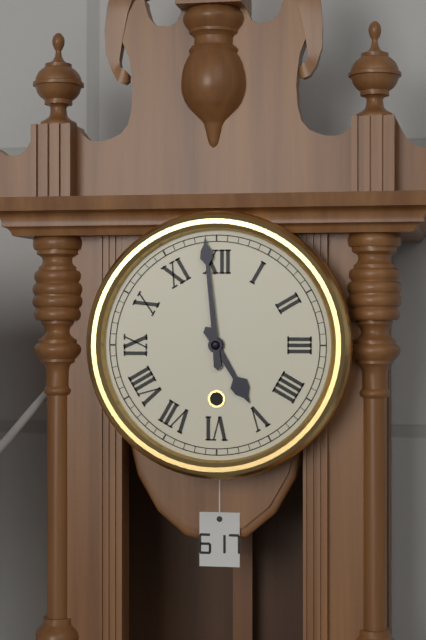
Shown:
4 h 59 min
